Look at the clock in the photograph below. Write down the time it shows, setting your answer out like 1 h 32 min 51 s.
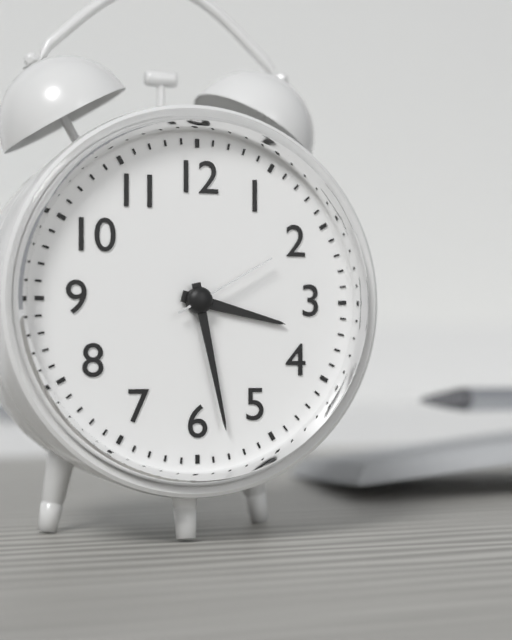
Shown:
3 h 28 min 10 s
